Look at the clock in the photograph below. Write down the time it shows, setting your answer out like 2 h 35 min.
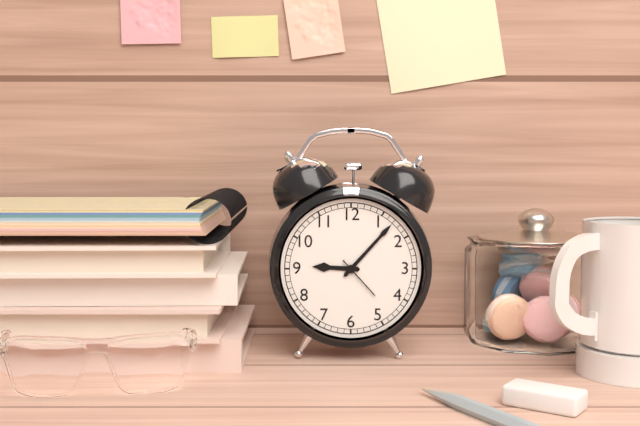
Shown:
9 h 07 min
